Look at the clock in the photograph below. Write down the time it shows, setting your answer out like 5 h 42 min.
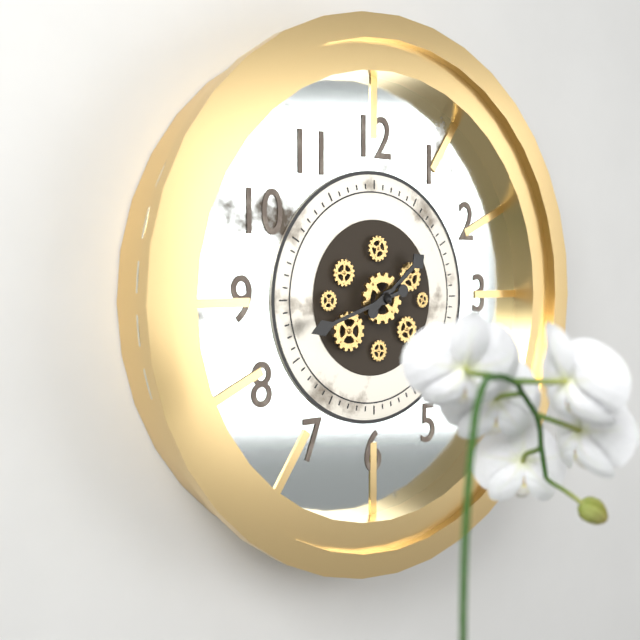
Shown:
1 h 42 min
